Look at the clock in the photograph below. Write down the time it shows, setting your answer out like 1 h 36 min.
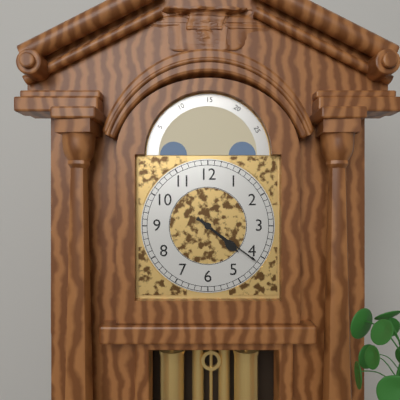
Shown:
4 h 21 min
